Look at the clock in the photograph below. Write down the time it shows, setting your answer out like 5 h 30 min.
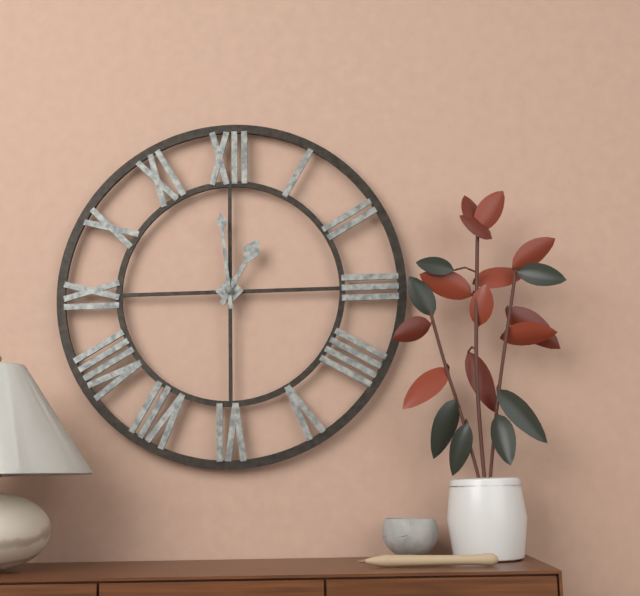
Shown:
12 h 59 min
